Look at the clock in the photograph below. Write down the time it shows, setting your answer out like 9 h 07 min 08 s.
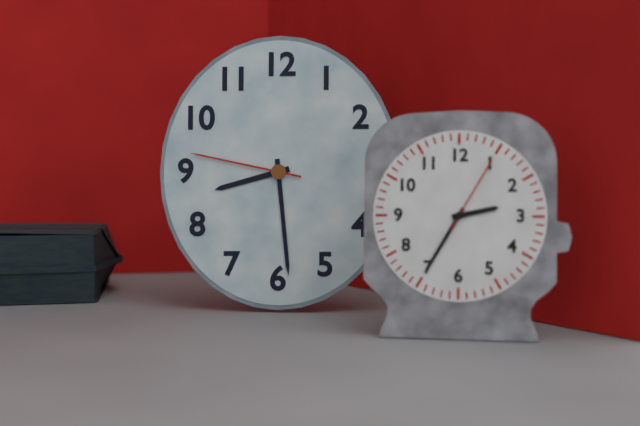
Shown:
8 h 29 min 47 s
